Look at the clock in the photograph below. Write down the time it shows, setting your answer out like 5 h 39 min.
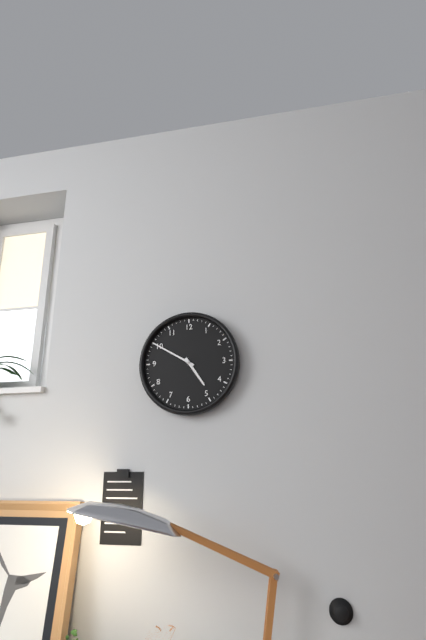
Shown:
4 h 50 min
